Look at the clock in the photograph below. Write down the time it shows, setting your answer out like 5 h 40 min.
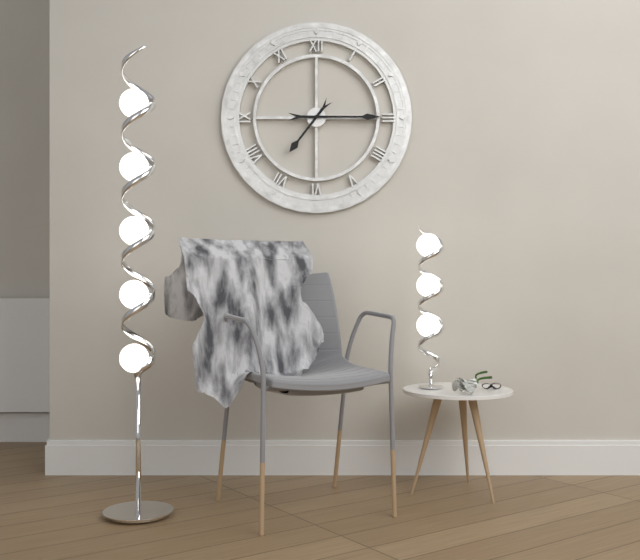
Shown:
7 h 15 min
